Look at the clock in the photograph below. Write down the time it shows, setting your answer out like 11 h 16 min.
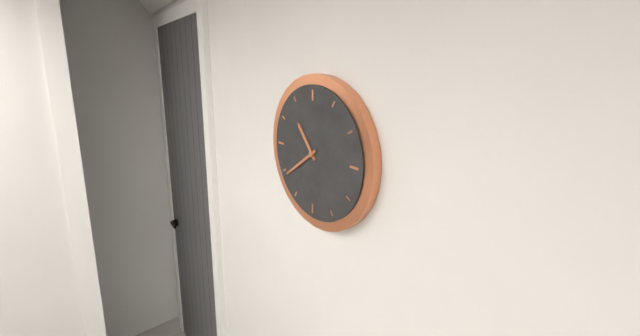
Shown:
10 h 39 min
